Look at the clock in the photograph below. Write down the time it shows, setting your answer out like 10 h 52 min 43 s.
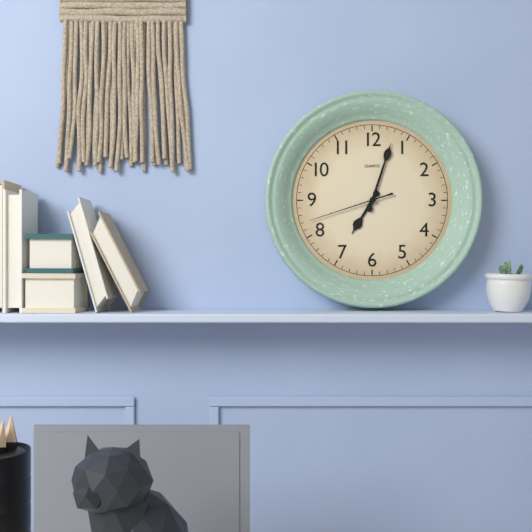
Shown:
7 h 03 min 42 s
